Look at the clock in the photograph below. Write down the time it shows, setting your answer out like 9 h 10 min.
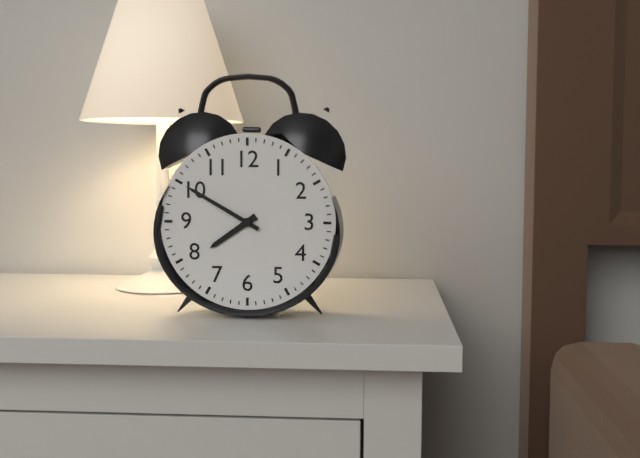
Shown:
7 h 50 min
